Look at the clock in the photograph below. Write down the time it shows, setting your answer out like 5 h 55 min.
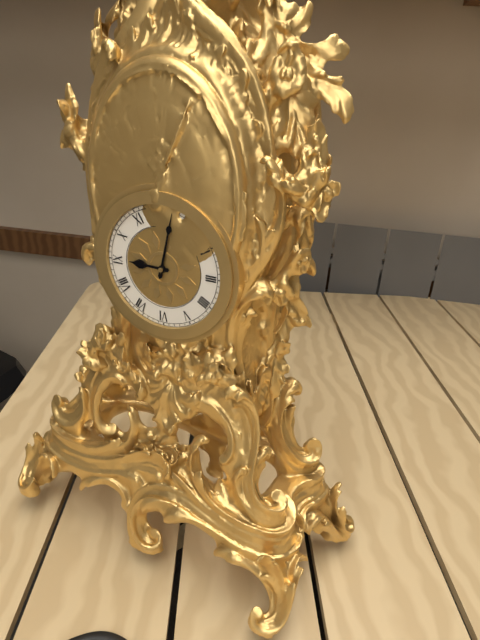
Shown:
9 h 02 min
